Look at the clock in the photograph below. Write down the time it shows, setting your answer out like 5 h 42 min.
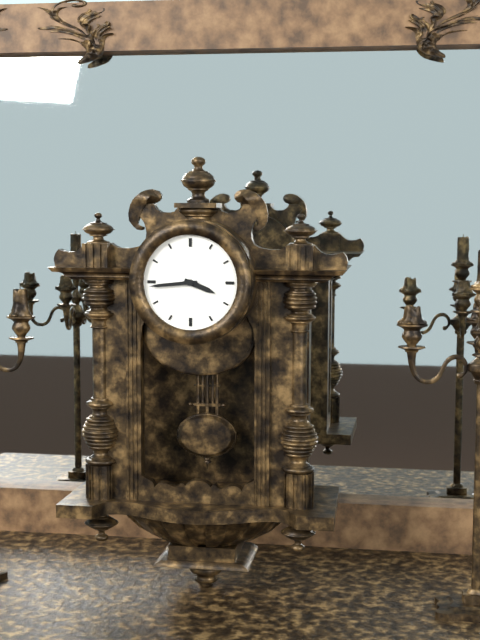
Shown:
3 h 44 min
